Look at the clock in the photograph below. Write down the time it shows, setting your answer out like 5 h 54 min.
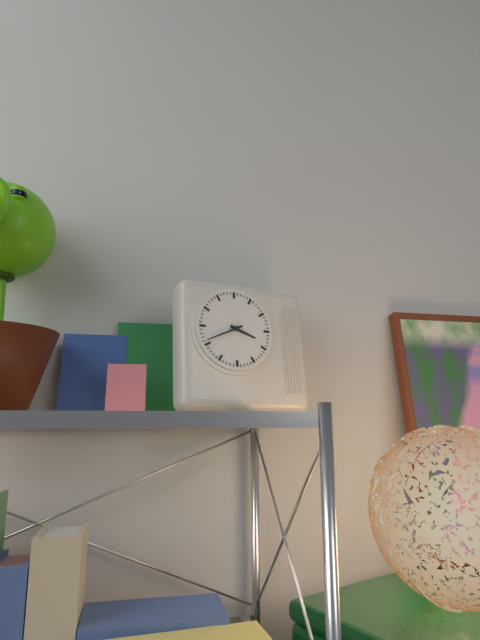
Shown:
3 h 41 min
